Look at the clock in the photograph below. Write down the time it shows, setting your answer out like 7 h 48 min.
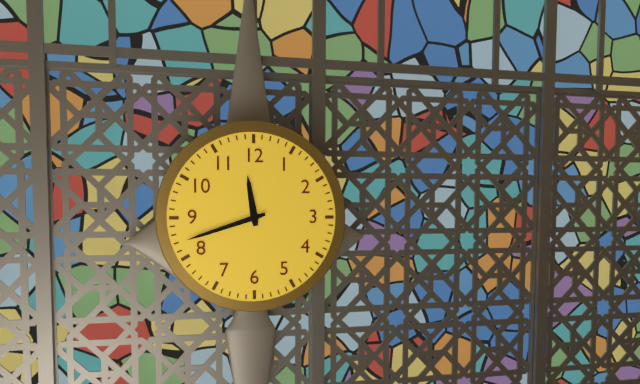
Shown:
11 h 42 min
